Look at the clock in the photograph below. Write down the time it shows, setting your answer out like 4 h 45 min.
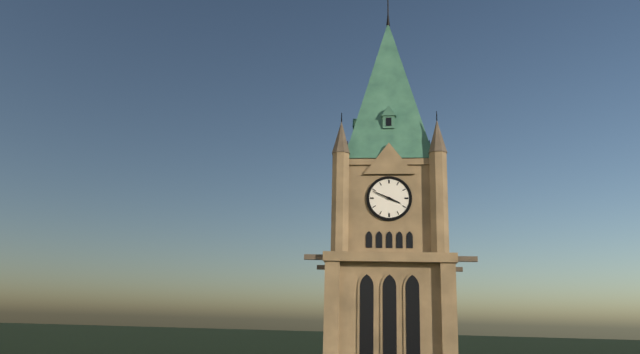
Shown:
3 h 49 min
